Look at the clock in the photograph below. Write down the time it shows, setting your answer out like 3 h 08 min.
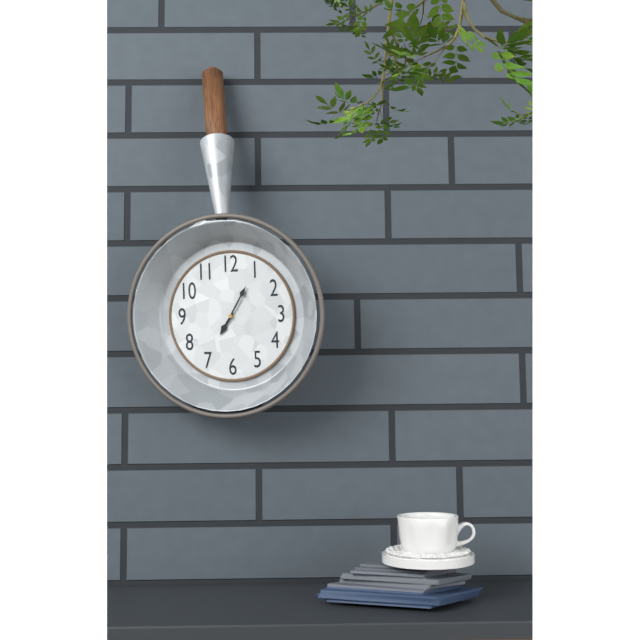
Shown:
7 h 05 min
